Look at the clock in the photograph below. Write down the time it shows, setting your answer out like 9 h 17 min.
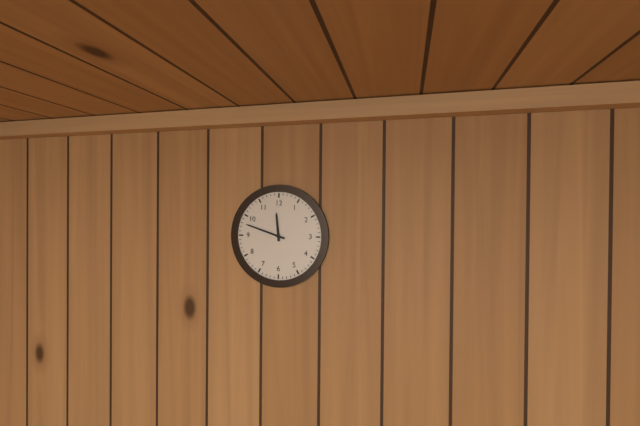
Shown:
11 h 48 min
